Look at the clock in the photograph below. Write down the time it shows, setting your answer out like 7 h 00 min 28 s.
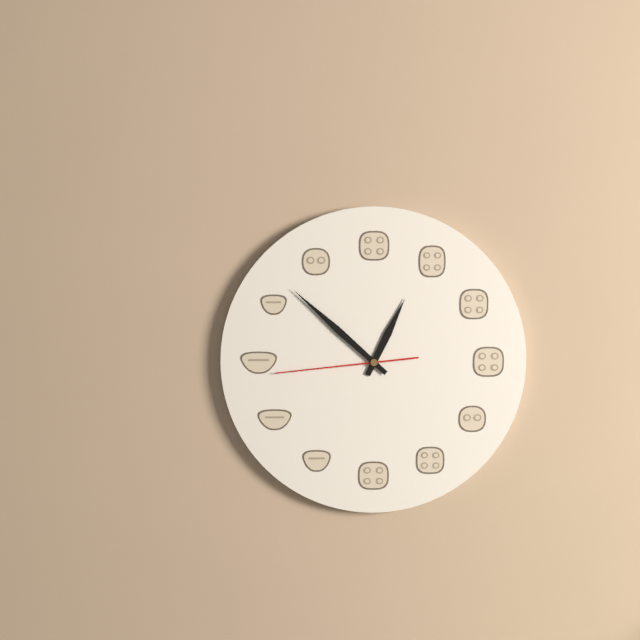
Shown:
12 h 52 min 44 s
